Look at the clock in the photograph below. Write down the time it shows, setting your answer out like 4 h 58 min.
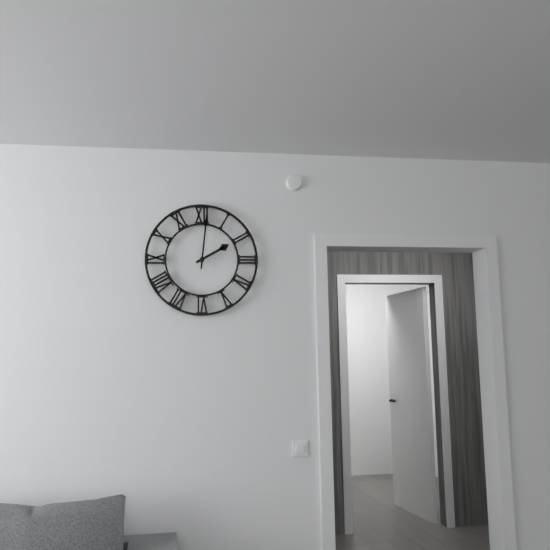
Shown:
2 h 01 min
